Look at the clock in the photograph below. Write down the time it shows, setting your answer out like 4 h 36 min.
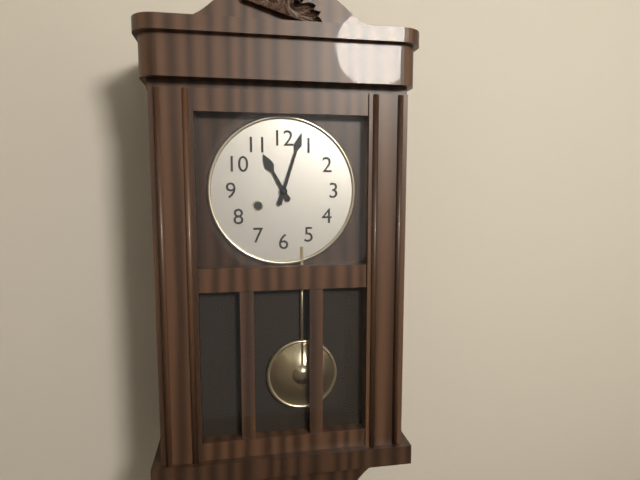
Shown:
11 h 03 min
